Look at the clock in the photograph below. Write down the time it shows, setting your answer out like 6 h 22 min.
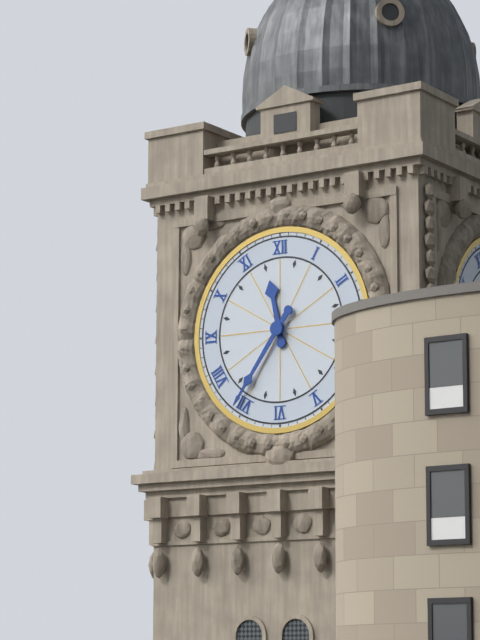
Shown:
11 h 36 min
